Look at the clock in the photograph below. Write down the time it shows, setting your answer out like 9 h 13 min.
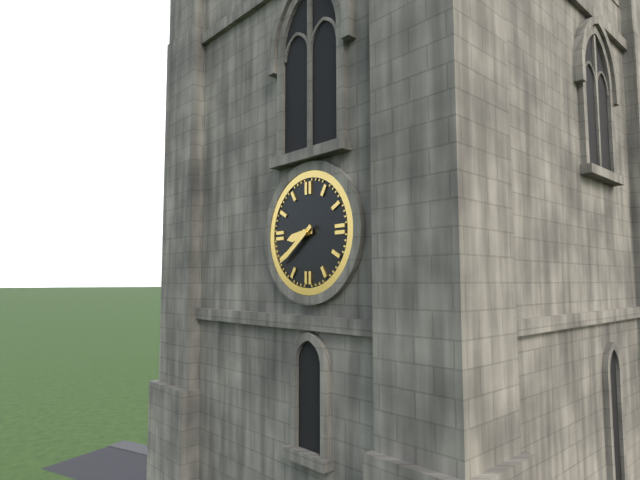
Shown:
8 h 39 min
